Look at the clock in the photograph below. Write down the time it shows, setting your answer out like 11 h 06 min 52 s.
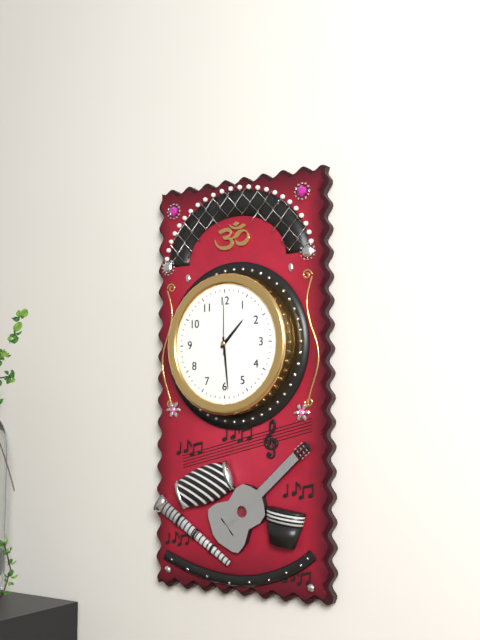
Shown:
1 h 29 min 00 s
